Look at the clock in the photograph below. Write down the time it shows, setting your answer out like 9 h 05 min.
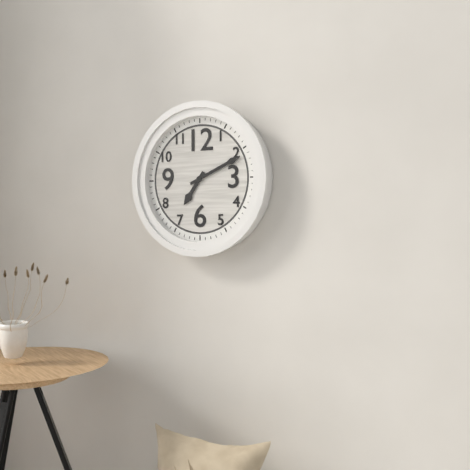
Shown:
7 h 11 min
